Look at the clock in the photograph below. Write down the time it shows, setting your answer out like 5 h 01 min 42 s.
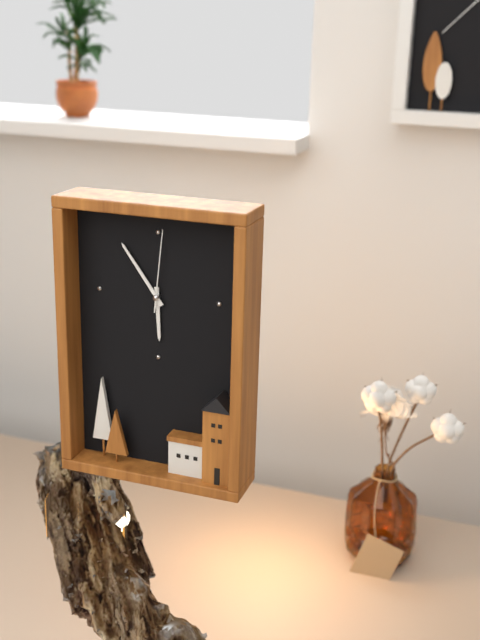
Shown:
5 h 54 min 01 s
